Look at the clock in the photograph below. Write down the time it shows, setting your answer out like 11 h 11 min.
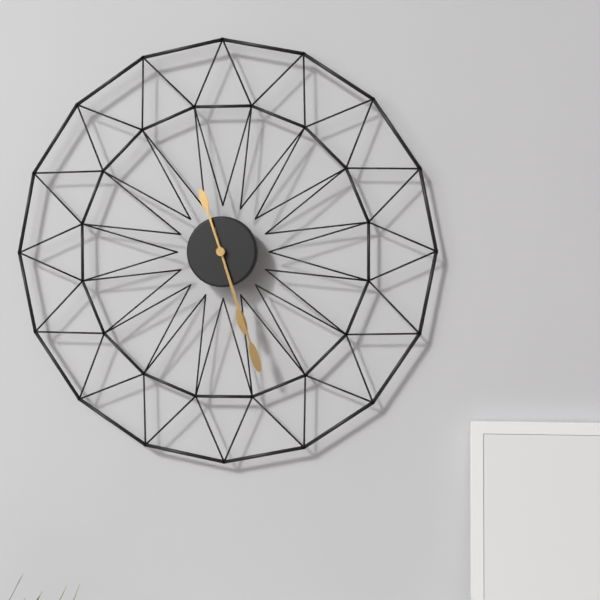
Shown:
5 h 27 min
